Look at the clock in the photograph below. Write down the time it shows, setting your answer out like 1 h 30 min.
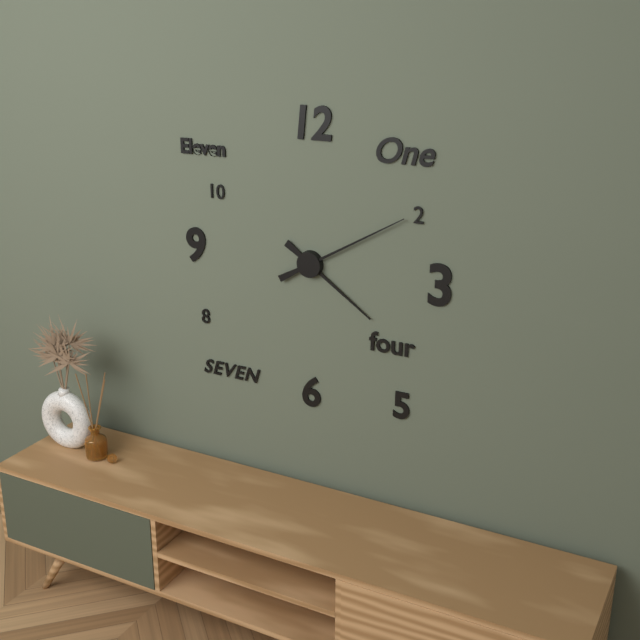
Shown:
4 h 10 min
